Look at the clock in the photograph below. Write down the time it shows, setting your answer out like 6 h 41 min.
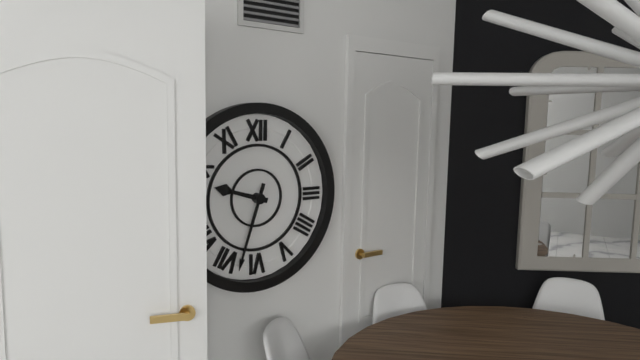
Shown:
9 h 33 min
